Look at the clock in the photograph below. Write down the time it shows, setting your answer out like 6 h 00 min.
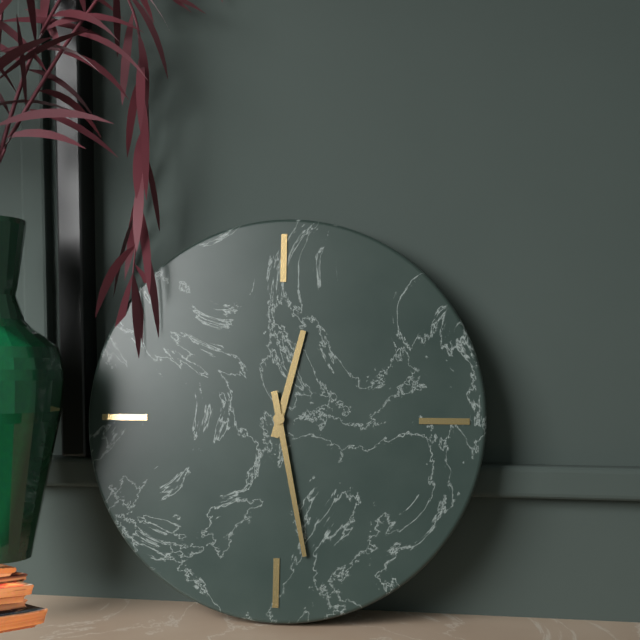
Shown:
12 h 28 min
